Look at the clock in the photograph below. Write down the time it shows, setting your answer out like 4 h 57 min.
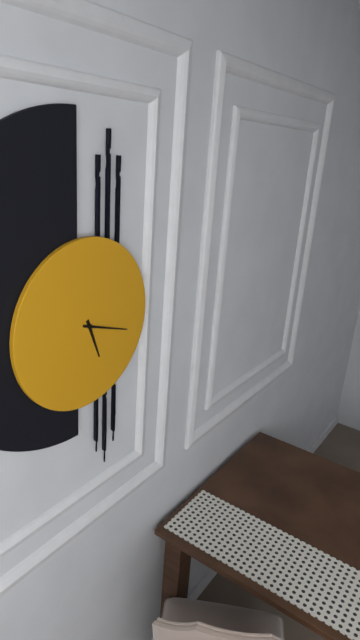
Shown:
5 h 18 min
